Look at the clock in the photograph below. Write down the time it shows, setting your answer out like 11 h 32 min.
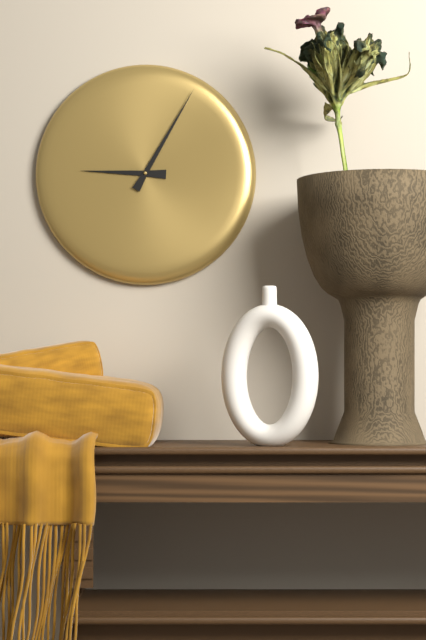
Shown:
9 h 05 min
